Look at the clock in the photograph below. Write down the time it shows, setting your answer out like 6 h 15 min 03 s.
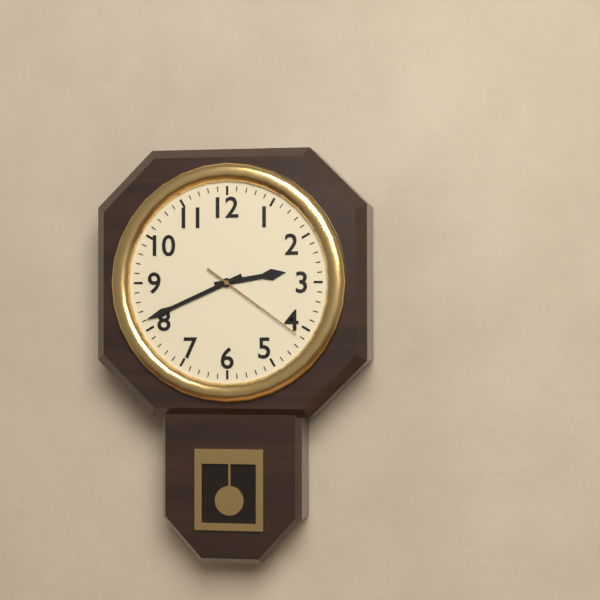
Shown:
2 h 41 min 21 s
